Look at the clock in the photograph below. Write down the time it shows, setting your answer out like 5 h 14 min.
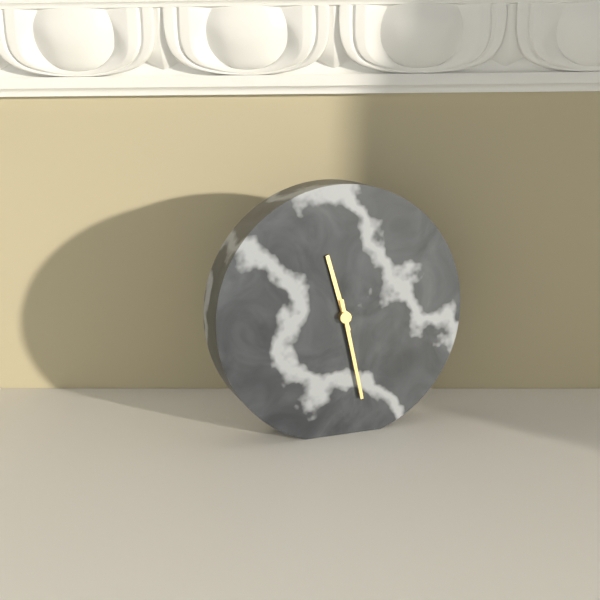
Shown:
11 h 28 min
